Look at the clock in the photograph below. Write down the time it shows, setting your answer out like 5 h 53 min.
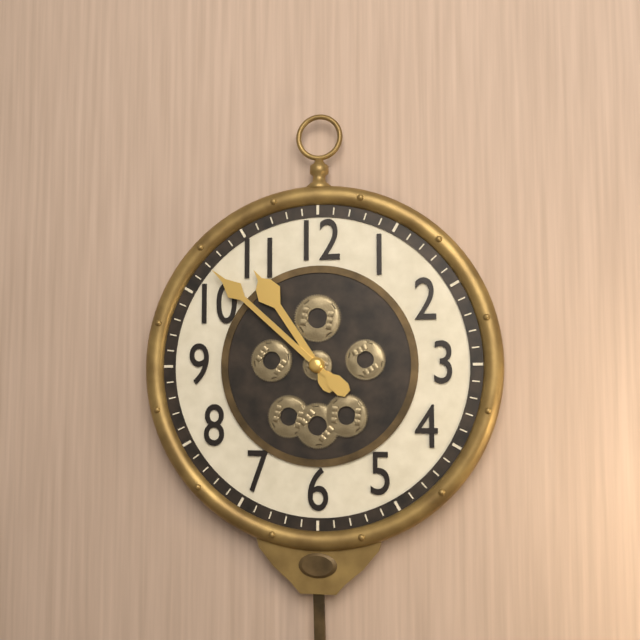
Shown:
10 h 52 min
